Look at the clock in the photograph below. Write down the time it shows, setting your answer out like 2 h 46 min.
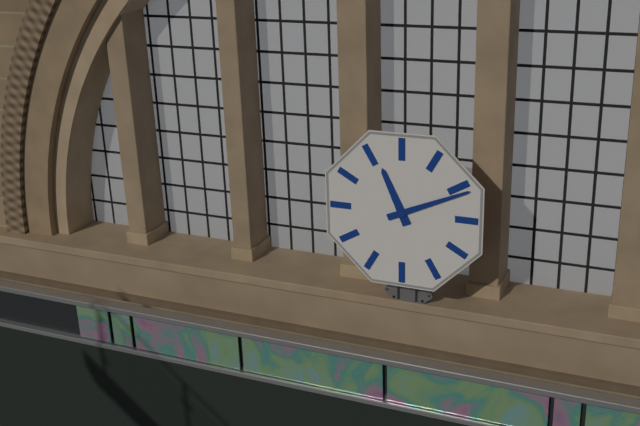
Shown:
11 h 11 min
